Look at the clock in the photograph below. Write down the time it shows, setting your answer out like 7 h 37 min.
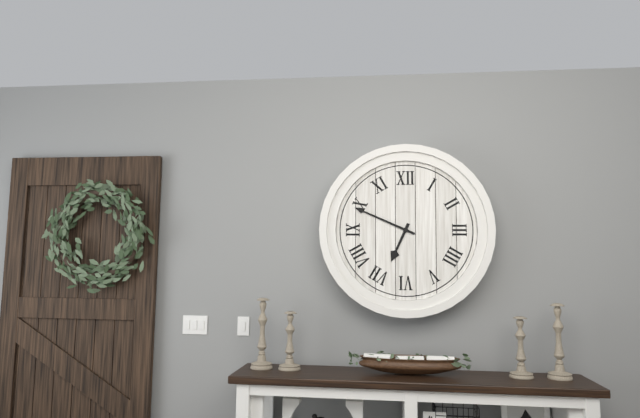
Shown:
6 h 49 min
